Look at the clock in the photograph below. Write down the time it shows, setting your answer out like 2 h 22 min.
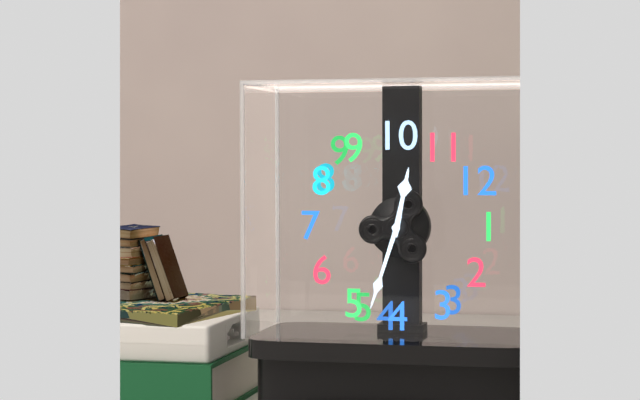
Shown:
10 h 23 min
